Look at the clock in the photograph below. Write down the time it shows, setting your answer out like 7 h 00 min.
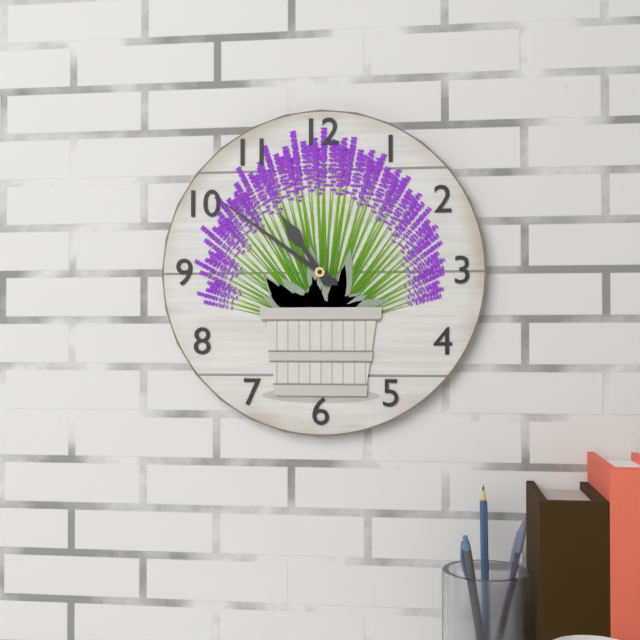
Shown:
10 h 51 min
